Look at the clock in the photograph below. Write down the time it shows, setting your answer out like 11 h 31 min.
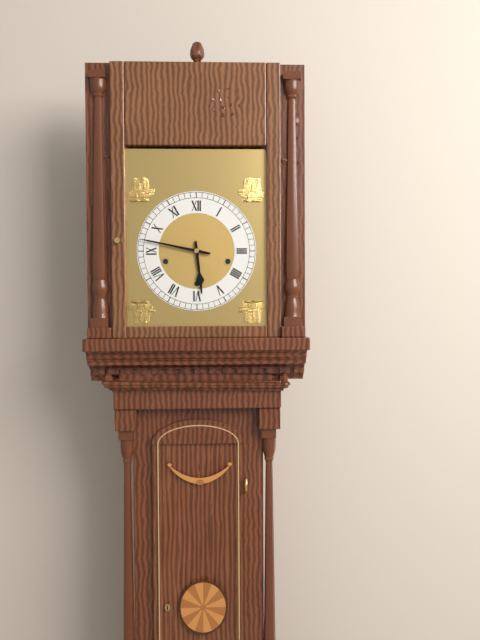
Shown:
5 h 47 min
